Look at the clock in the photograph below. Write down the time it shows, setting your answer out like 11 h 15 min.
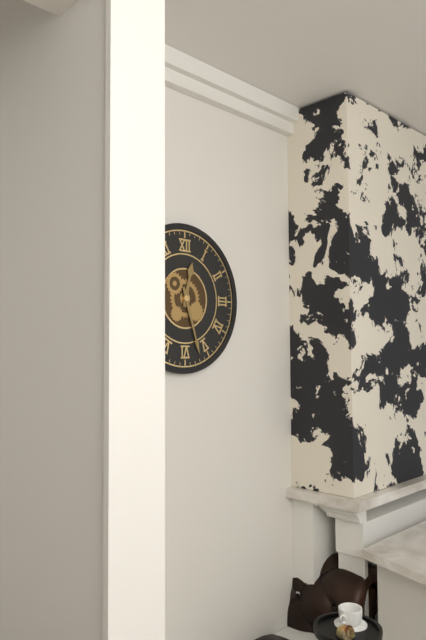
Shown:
12 h 27 min
